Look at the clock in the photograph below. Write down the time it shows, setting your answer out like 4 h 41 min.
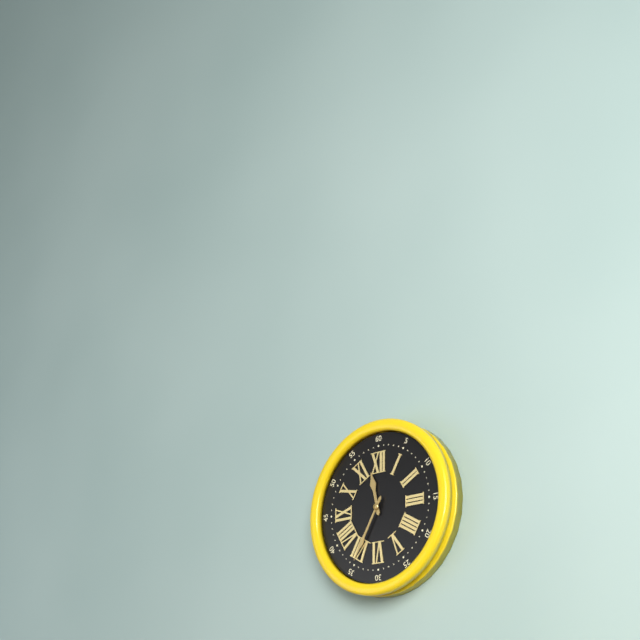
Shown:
11 h 35 min
